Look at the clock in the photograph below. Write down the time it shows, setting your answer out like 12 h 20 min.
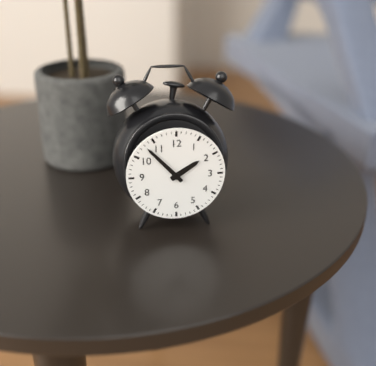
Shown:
1 h 53 min
